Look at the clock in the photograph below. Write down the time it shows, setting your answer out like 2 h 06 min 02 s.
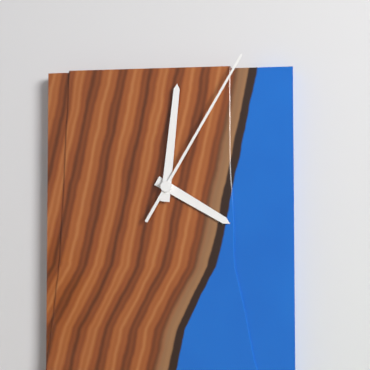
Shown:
4 h 01 min 05 s
